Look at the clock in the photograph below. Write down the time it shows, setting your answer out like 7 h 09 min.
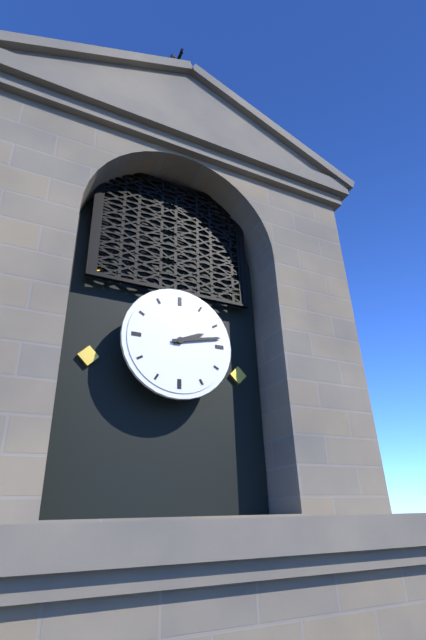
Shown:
2 h 13 min
